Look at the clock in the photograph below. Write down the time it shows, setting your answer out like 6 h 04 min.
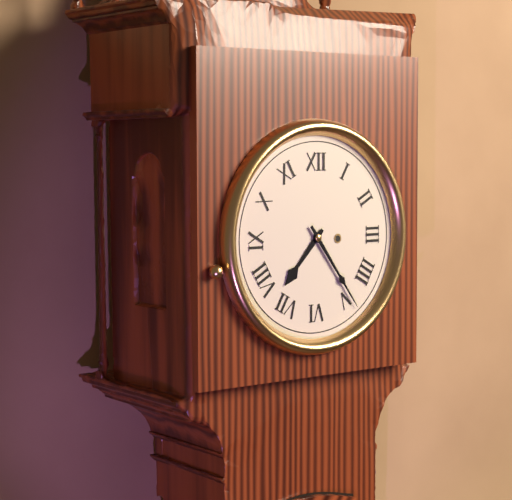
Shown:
7 h 24 min
